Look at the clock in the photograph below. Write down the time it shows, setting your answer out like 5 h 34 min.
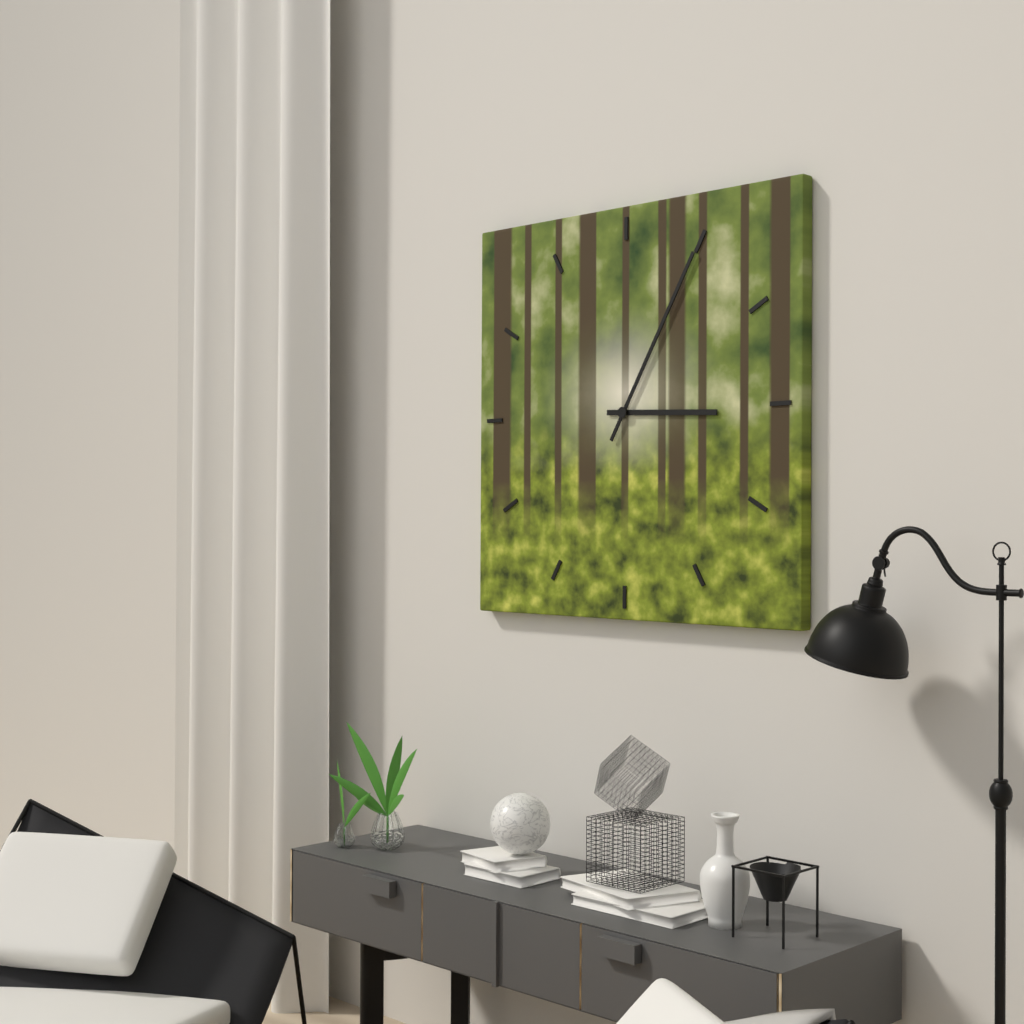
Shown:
3 h 05 min
